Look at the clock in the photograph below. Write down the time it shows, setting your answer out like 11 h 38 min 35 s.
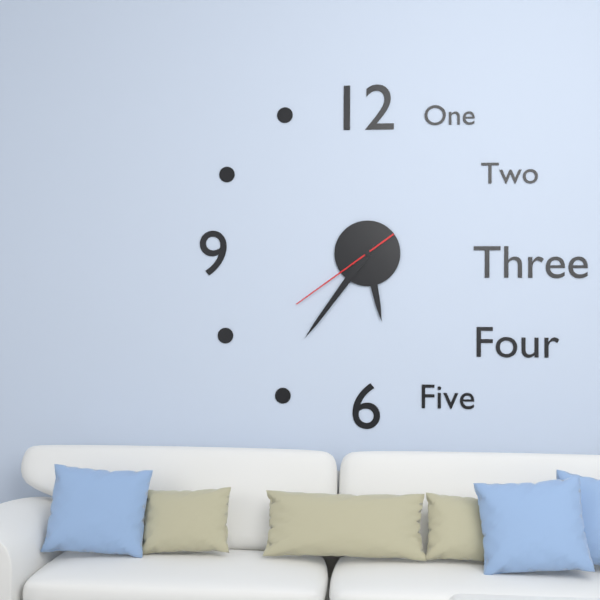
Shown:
5 h 36 min 39 s
